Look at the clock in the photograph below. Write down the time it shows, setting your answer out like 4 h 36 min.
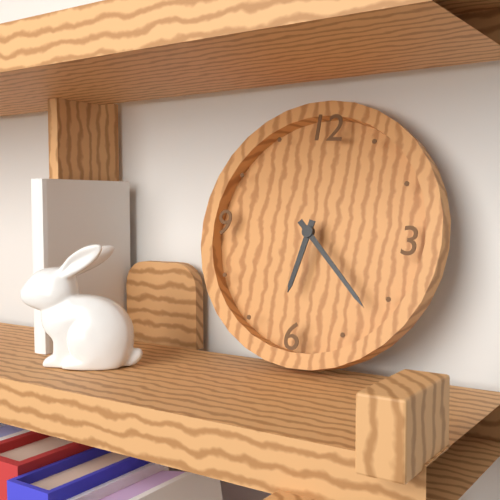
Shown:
6 h 22 min
